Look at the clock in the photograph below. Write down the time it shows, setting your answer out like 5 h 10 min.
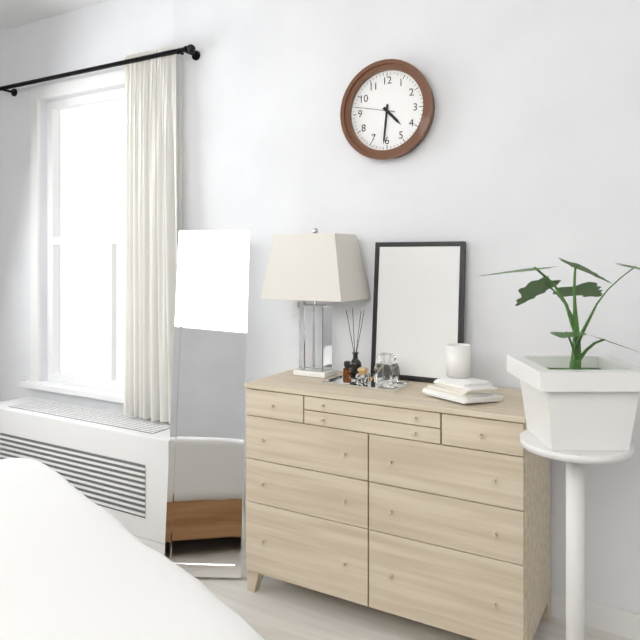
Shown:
4 h 31 min
